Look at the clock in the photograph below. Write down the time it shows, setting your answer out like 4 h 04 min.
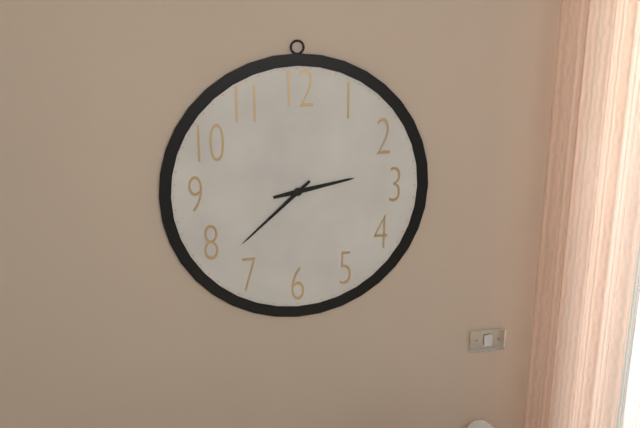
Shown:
2 h 38 min
